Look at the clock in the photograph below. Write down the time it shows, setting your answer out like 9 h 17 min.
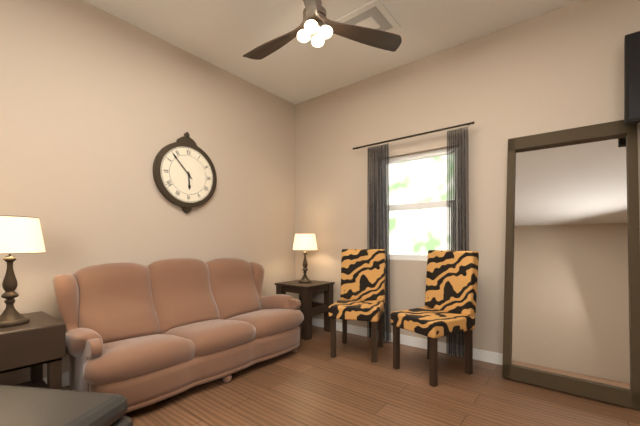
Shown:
5 h 53 min
